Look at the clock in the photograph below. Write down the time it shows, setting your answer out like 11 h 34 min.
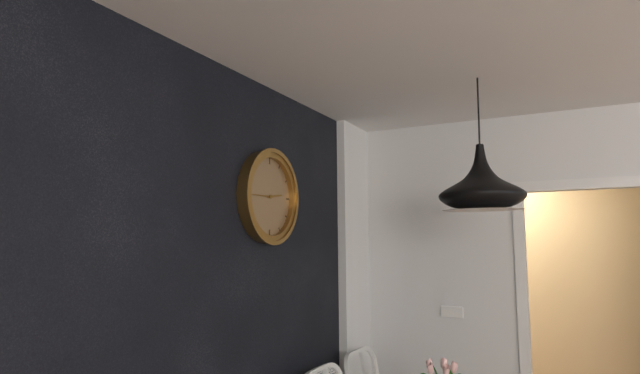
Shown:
2 h 45 min
